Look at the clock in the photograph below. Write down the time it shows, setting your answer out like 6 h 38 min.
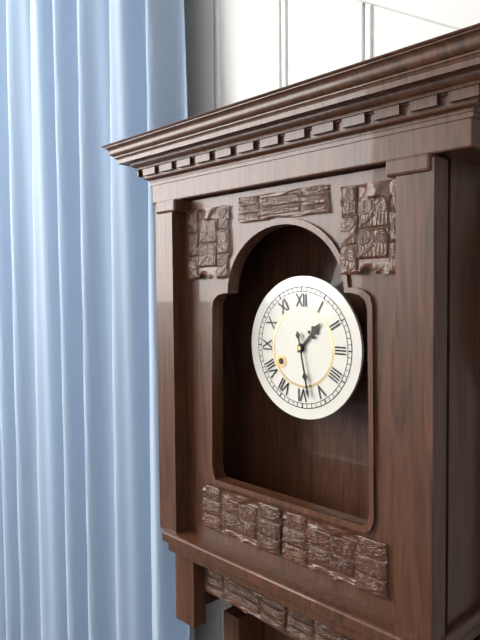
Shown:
1 h 28 min
